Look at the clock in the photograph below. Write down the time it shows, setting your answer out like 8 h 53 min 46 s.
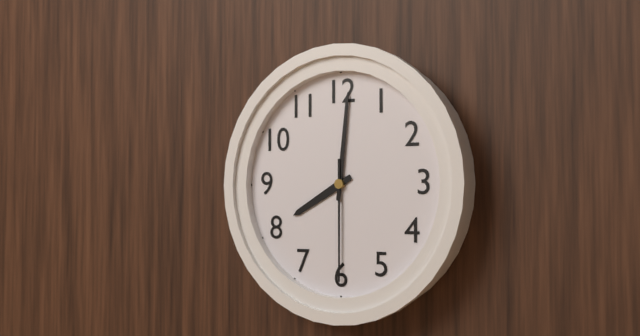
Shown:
8 h 01 min 30 s
